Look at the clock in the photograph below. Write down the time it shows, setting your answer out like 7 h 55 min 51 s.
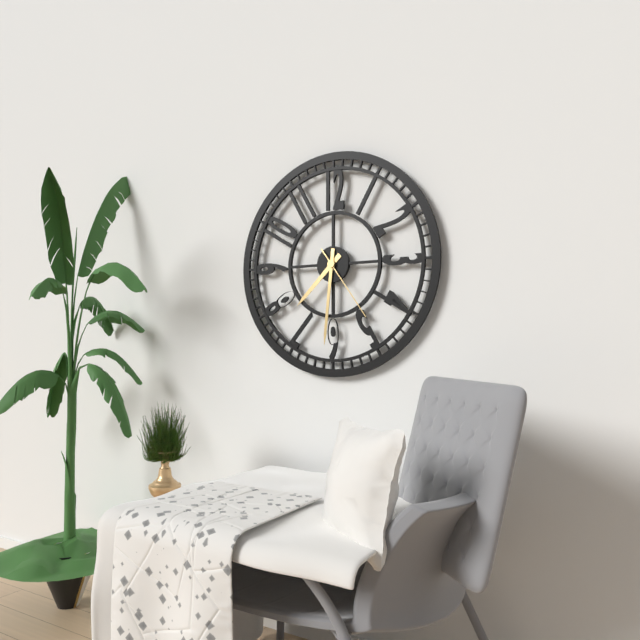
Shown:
7 h 31 min 24 s
